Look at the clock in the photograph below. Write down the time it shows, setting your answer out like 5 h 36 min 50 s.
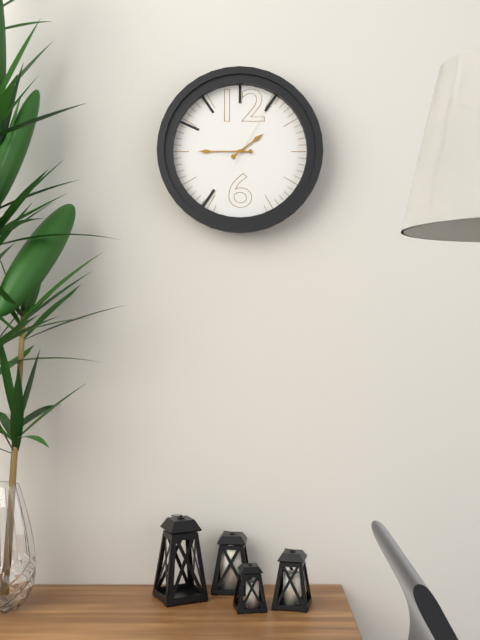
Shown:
1 h 45 min 05 s
